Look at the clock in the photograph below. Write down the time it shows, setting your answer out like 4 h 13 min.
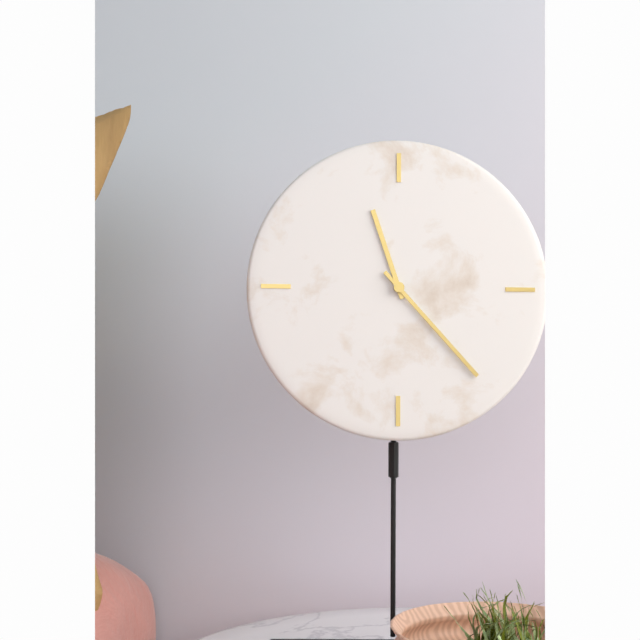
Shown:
11 h 23 min
